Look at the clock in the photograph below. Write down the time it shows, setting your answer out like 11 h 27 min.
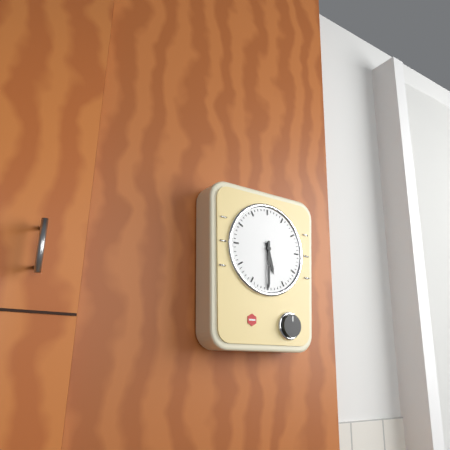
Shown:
5 h 30 min
